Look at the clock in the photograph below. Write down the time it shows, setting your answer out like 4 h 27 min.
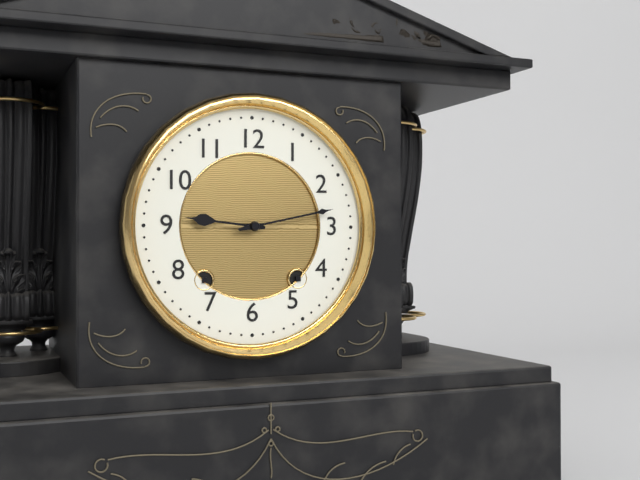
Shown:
9 h 13 min
